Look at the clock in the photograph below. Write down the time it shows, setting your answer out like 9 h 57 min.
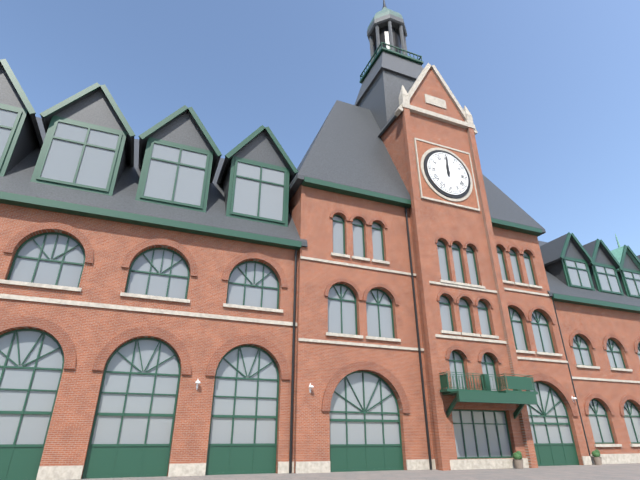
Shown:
12 h 00 min
